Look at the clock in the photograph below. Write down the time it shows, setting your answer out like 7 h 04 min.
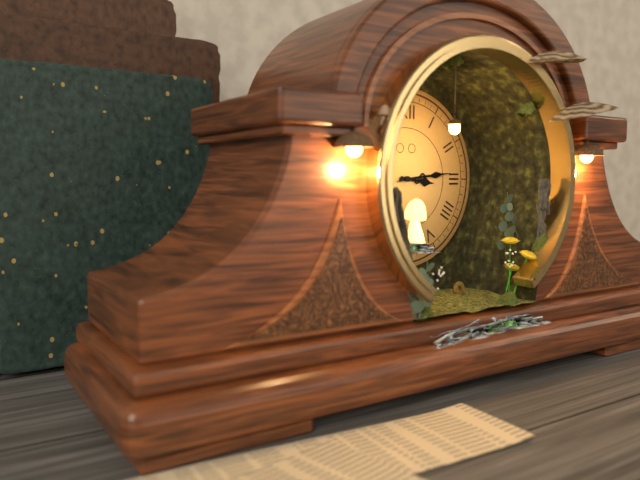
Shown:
3 h 14 min
